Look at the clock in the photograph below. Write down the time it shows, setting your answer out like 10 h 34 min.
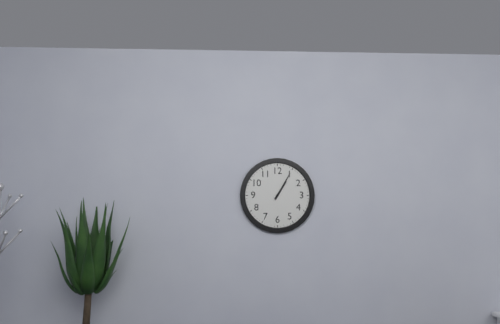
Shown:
1 h 05 min
